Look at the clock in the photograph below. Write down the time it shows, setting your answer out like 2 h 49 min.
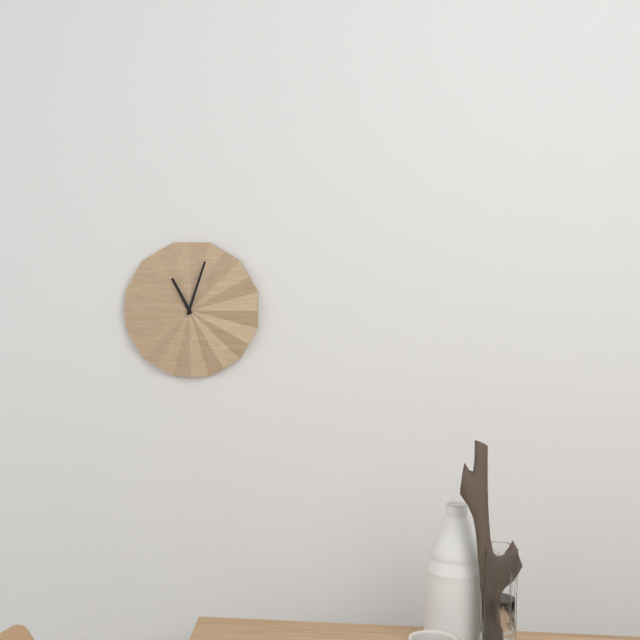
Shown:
11 h 03 min
